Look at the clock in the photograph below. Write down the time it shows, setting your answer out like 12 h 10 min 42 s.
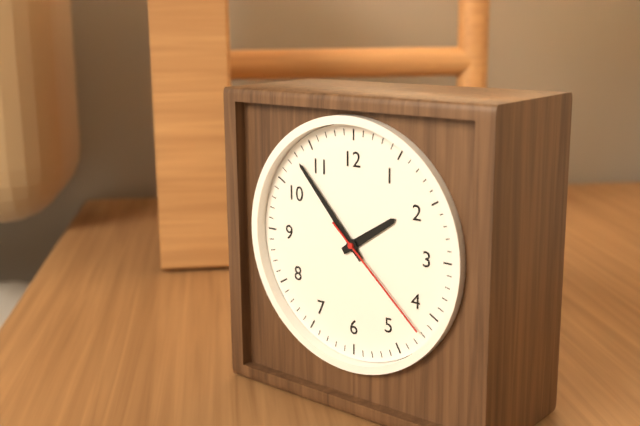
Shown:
1 h 53 min 22 s
